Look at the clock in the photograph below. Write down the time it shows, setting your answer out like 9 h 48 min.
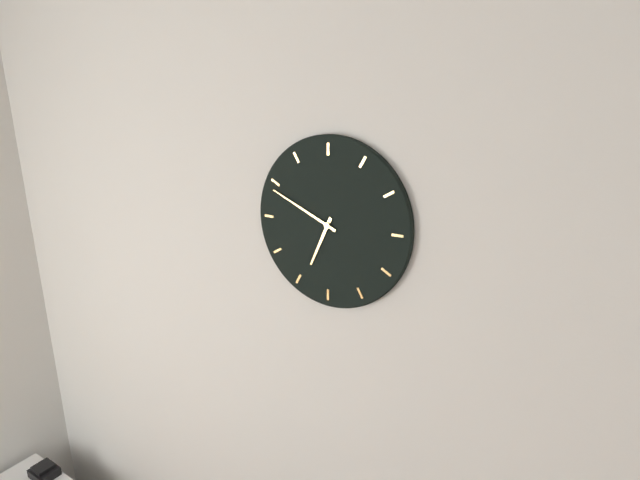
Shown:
6 h 49 min
